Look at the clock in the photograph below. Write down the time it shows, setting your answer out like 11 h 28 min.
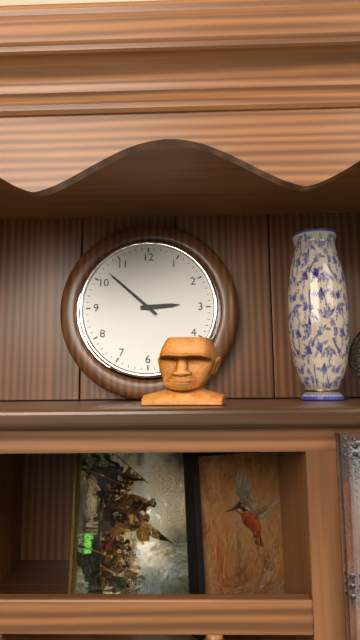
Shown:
2 h 52 min
